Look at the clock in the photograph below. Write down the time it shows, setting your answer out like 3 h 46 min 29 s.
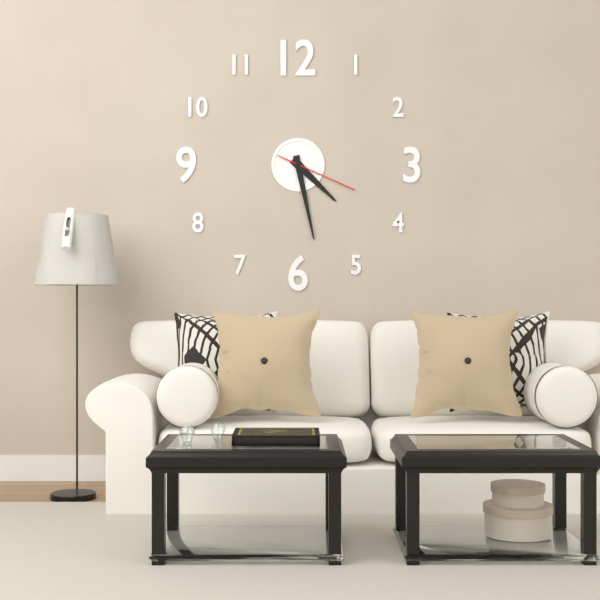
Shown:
4 h 28 min 19 s
